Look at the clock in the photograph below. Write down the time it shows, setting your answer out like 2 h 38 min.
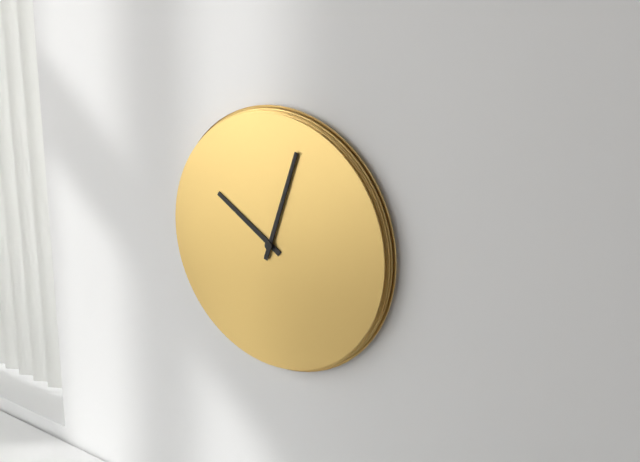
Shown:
10 h 03 min
